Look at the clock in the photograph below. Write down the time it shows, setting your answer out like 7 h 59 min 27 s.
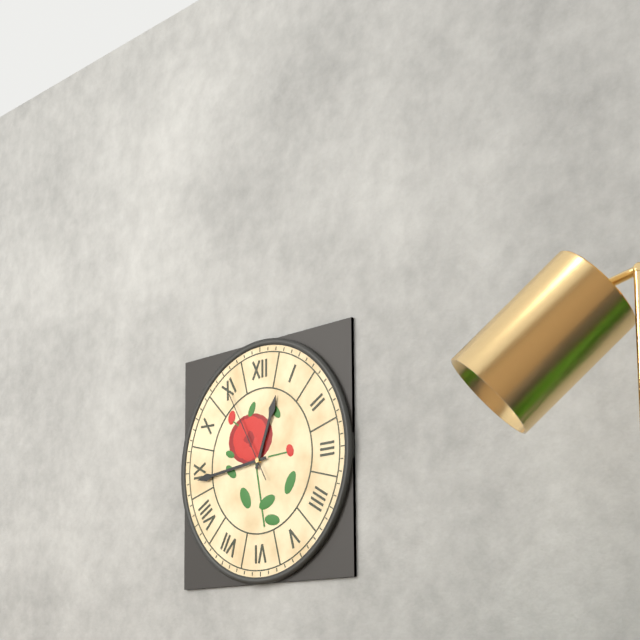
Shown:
12 h 44 min 55 s
